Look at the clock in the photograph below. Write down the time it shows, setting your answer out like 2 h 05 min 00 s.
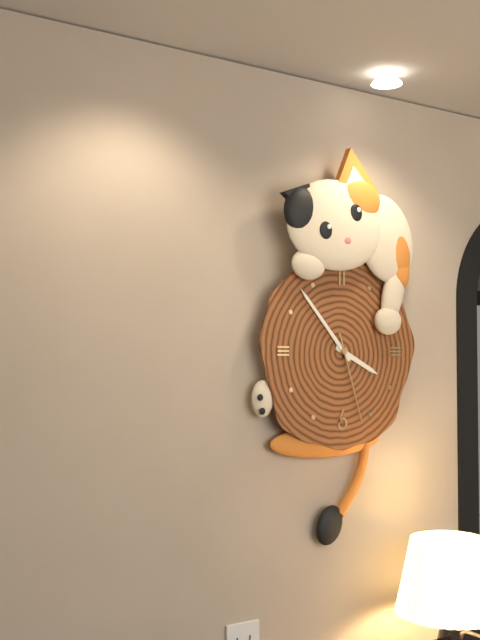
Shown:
3 h 53 min 27 s
